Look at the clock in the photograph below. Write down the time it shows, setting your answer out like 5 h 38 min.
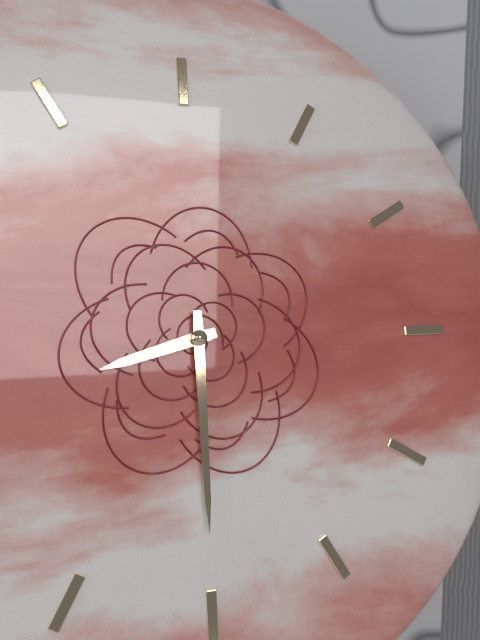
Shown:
8 h 30 min
